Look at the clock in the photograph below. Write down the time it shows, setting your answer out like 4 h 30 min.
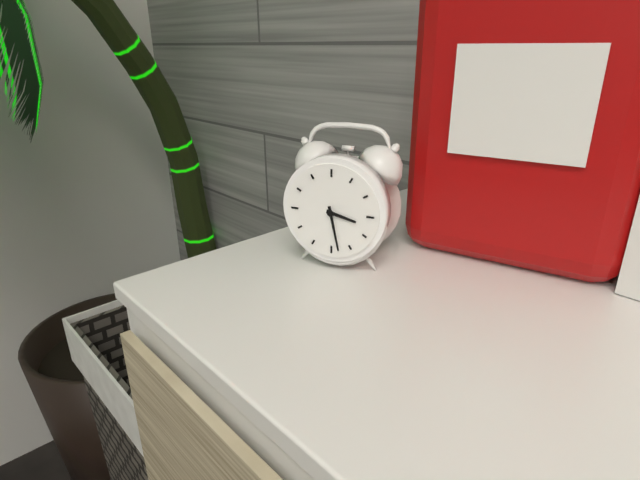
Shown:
3 h 28 min
